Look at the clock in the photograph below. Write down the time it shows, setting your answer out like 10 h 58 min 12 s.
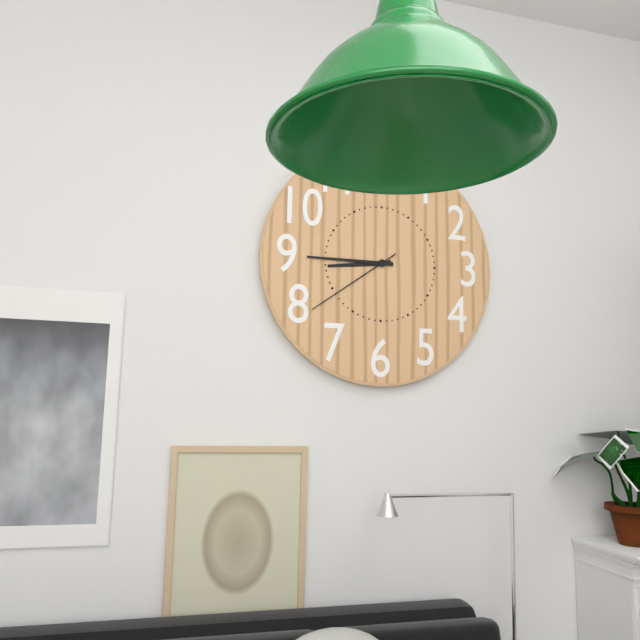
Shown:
8 h 45 min 39 s
